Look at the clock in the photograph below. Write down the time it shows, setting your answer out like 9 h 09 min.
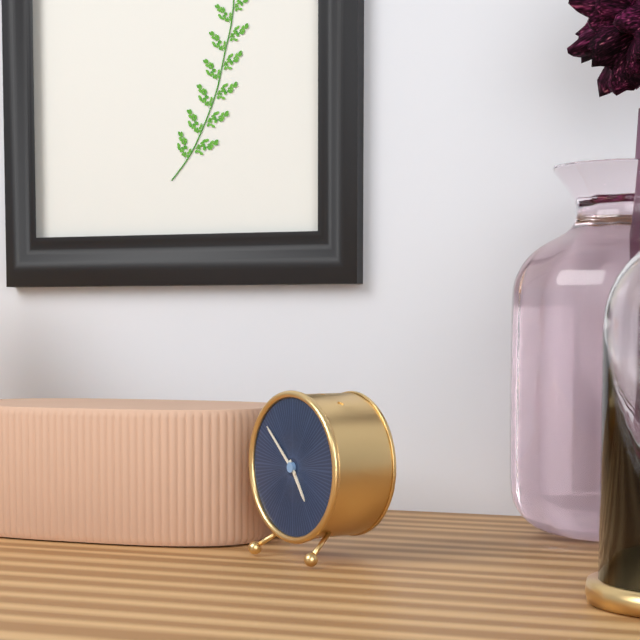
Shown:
4 h 52 min
